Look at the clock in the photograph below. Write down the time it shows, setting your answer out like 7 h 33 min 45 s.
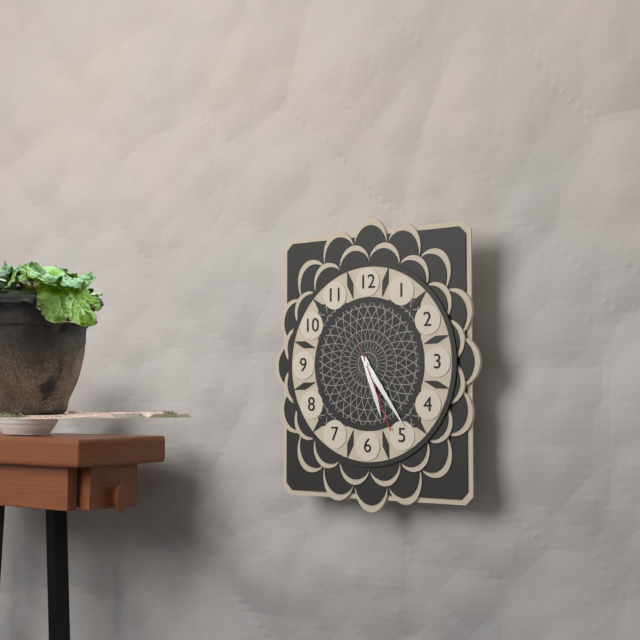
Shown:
5 h 24 min 26 s
